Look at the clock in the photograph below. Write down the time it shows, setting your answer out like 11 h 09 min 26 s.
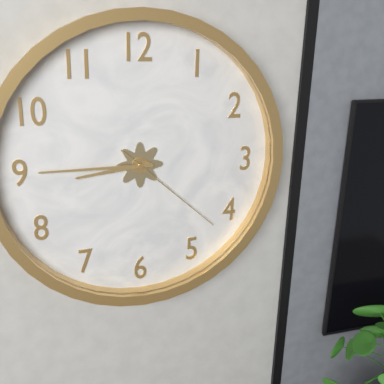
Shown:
8 h 45 min 22 s
